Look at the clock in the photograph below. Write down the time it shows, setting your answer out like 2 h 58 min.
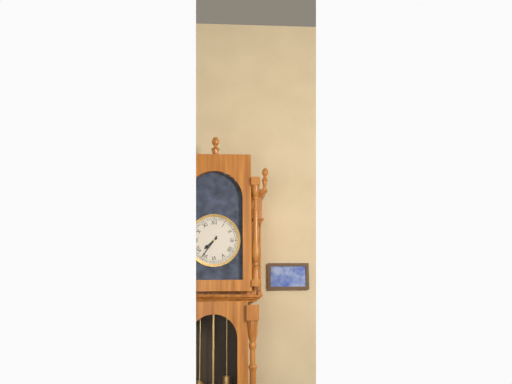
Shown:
7 h 36 min
